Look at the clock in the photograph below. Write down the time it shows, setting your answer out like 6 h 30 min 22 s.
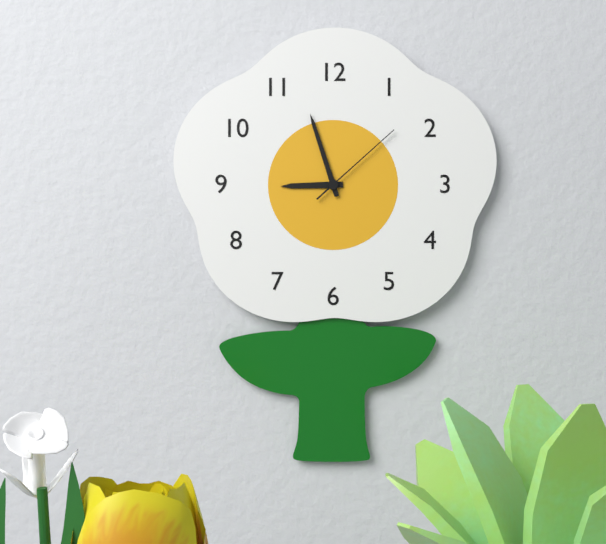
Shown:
8 h 57 min 08 s
